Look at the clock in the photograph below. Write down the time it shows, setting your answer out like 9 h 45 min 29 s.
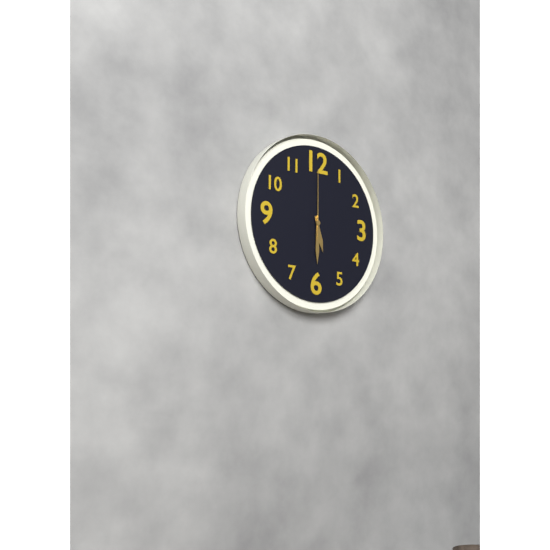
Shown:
5 h 30 min 00 s
